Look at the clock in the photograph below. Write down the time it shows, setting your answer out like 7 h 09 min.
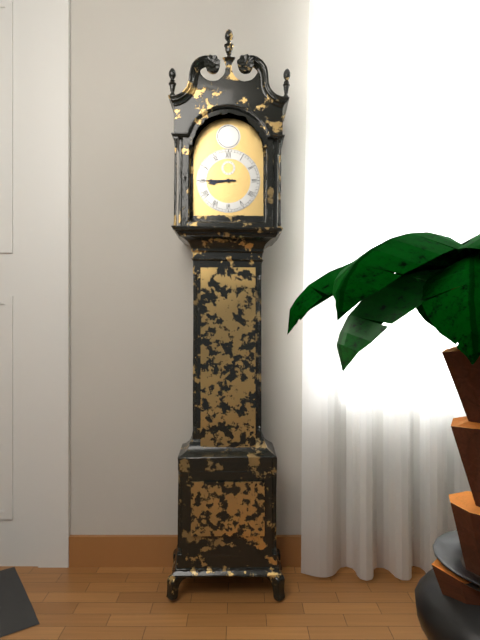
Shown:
8 h 45 min
